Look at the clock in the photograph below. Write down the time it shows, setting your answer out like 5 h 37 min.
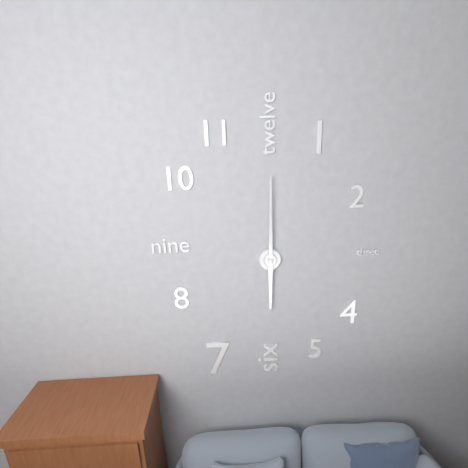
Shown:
6 h 00 min
